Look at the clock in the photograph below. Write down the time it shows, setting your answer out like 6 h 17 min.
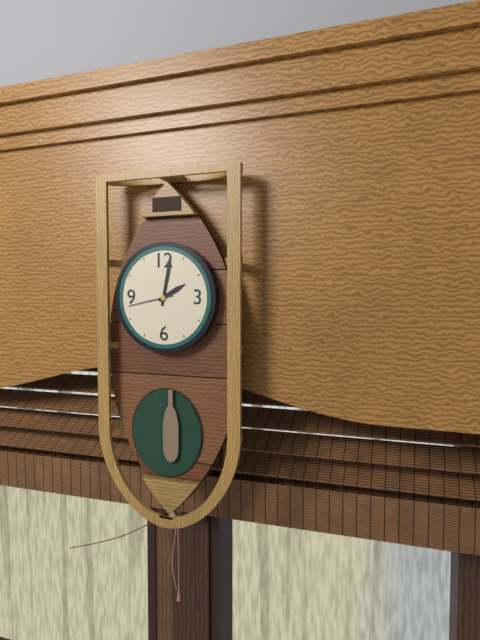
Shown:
2 h 02 min
